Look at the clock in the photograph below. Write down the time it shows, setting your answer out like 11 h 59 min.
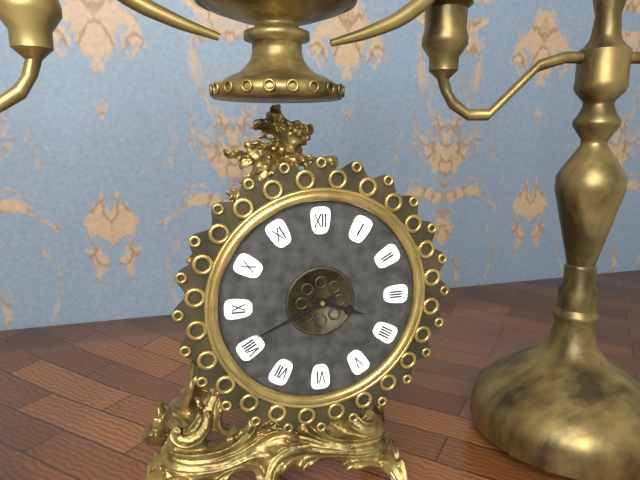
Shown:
3 h 41 min
